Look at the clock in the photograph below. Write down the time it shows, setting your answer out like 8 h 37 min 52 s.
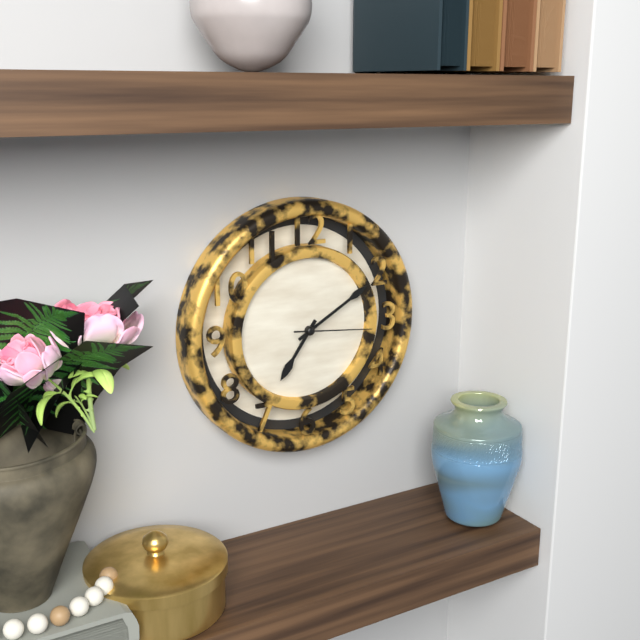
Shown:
7 h 10 min 16 s
